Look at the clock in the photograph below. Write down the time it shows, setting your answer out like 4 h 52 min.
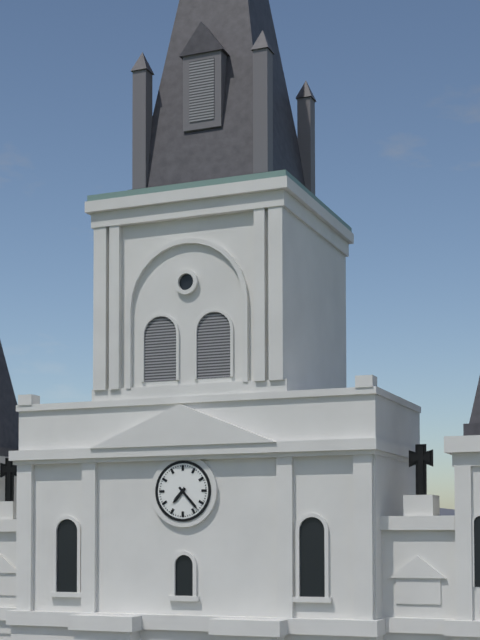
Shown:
7 h 23 min
